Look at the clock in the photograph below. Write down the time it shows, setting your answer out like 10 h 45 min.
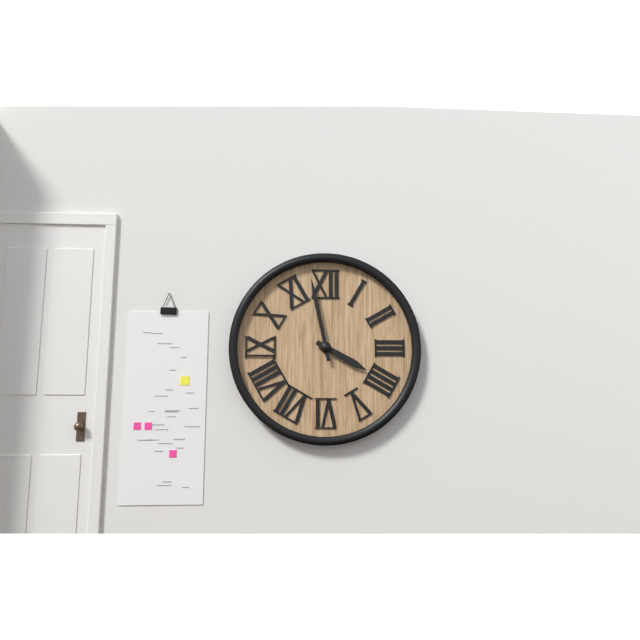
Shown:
3 h 58 min
